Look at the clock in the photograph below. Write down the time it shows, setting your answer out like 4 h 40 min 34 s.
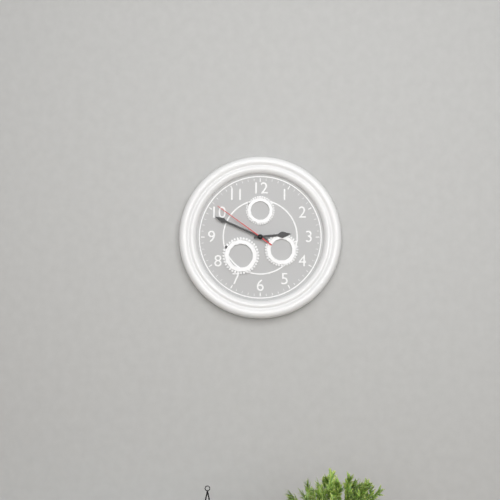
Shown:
2 h 49 min 51 s
